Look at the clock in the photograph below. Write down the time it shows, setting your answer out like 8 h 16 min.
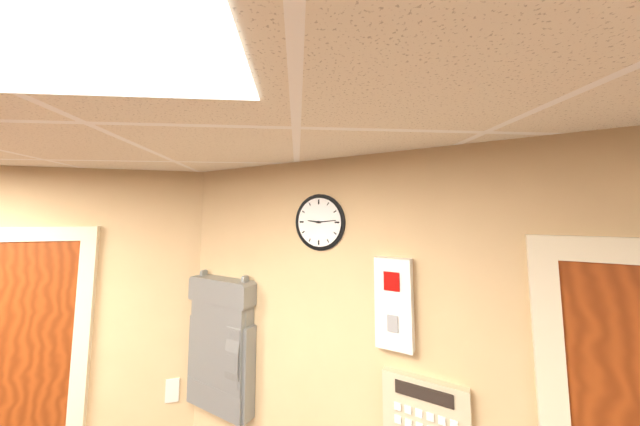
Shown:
9 h 14 min
